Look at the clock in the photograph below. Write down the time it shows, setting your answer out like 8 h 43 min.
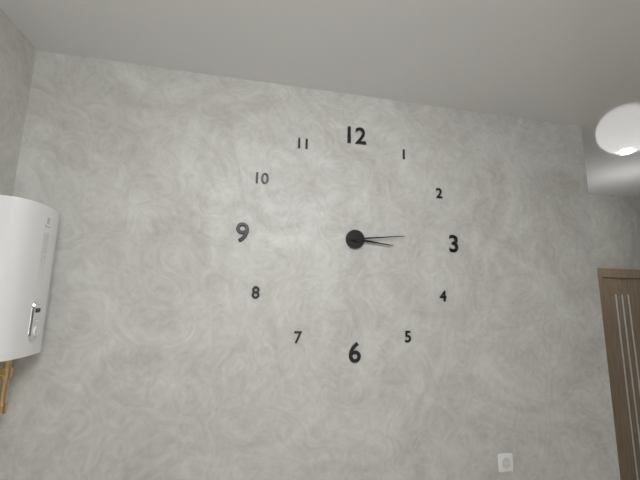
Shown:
3 h 14 min
